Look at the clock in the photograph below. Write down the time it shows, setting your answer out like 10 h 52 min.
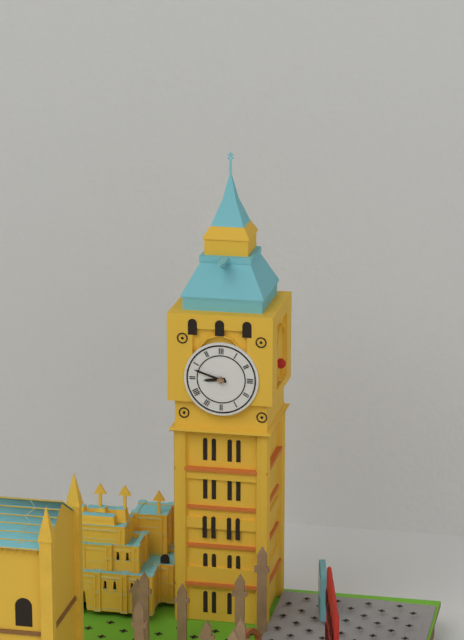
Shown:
8 h 48 min
